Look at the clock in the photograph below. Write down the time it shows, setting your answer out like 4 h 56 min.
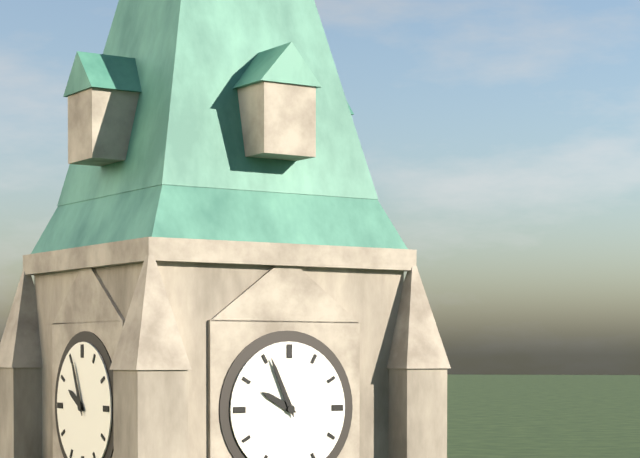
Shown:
9 h 56 min
